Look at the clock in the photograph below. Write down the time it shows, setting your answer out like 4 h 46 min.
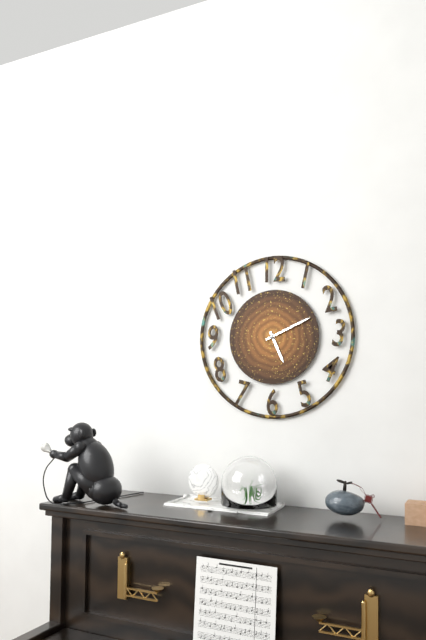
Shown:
5 h 11 min
